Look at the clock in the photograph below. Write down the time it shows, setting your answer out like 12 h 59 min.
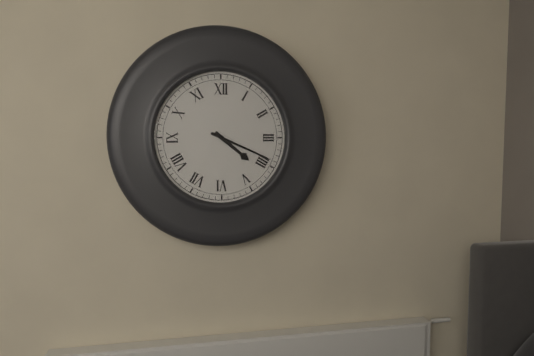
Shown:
4 h 19 min
